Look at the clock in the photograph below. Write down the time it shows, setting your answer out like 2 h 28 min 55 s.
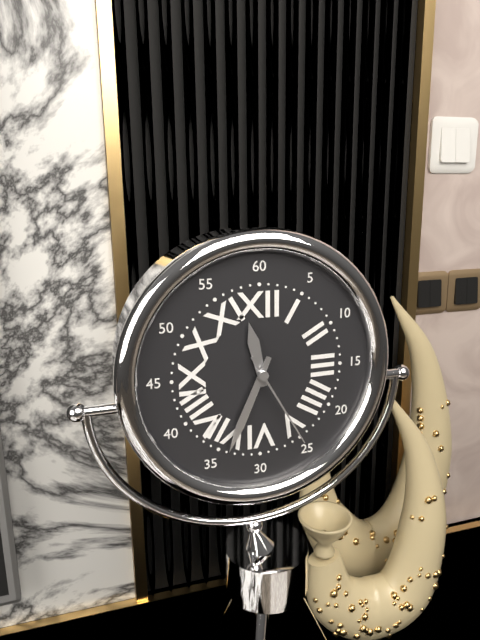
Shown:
11 h 34 min 25 s
